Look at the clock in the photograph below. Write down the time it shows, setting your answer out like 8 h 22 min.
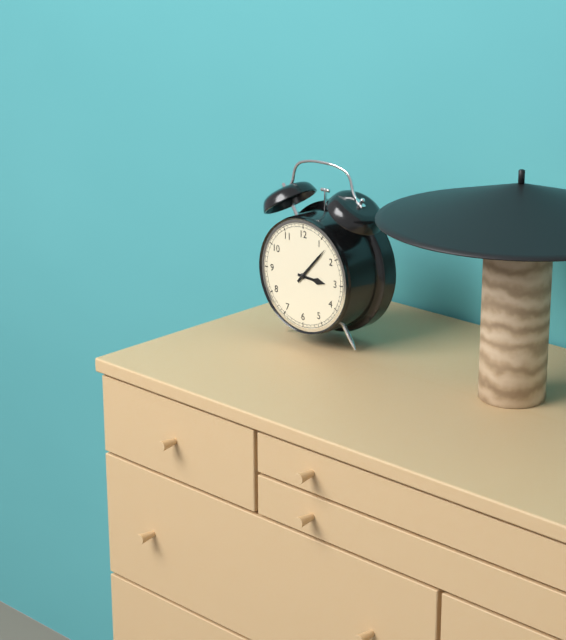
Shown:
3 h 07 min
